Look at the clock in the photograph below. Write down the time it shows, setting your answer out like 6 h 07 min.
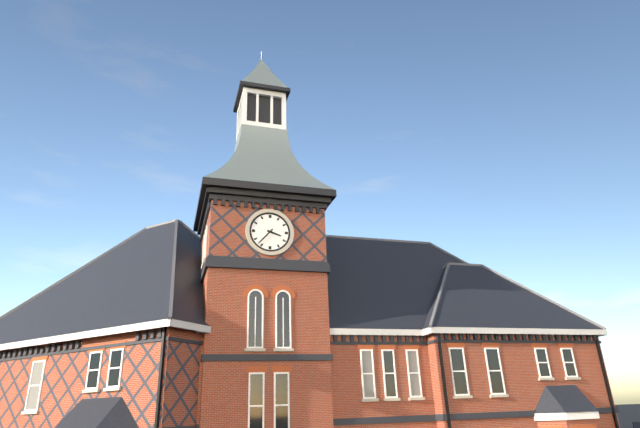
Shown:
3 h 37 min
